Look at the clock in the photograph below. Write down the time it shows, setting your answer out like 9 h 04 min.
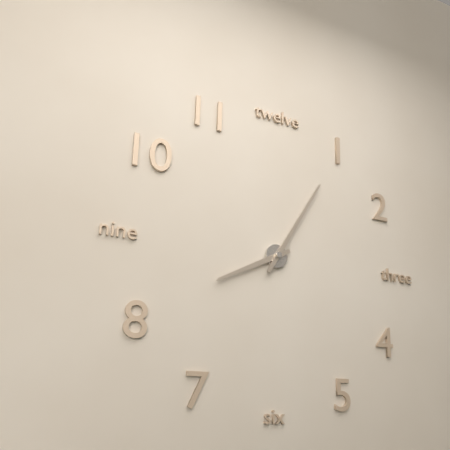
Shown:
8 h 05 min
